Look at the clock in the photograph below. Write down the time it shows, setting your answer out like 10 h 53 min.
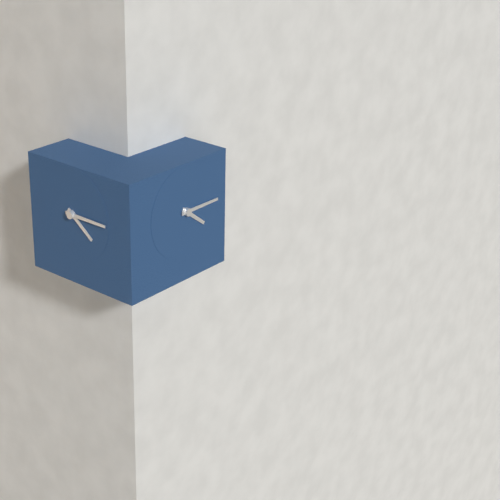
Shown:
4 h 15 min
